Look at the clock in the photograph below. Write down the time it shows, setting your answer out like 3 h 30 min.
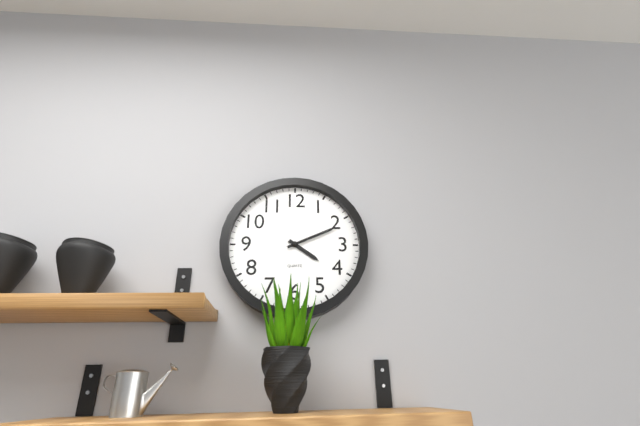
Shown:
4 h 11 min
